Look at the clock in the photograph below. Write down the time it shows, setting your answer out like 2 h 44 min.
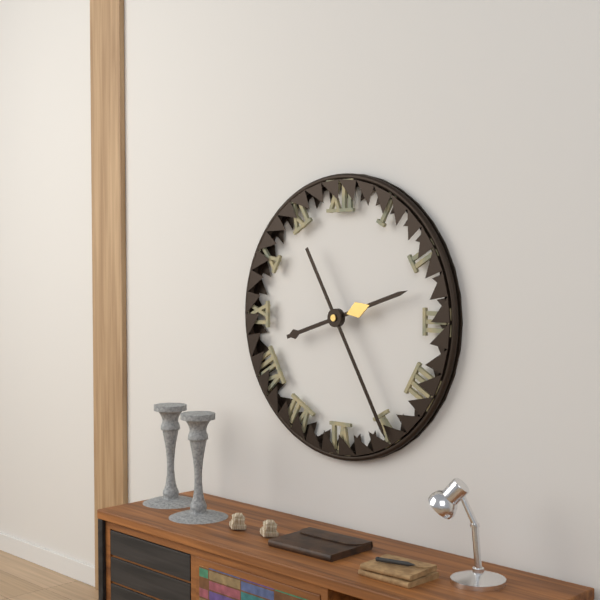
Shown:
2 h 25 min
